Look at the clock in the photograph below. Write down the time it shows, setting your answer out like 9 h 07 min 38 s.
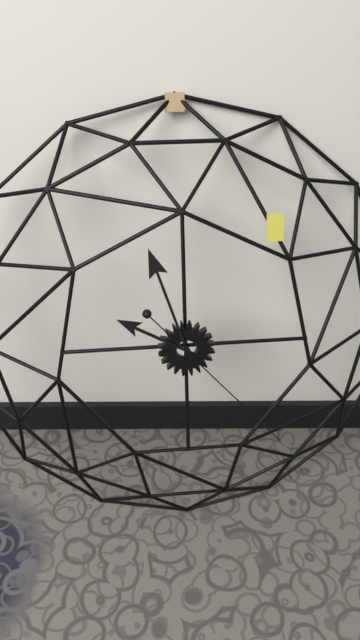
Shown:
9 h 57 min 23 s
